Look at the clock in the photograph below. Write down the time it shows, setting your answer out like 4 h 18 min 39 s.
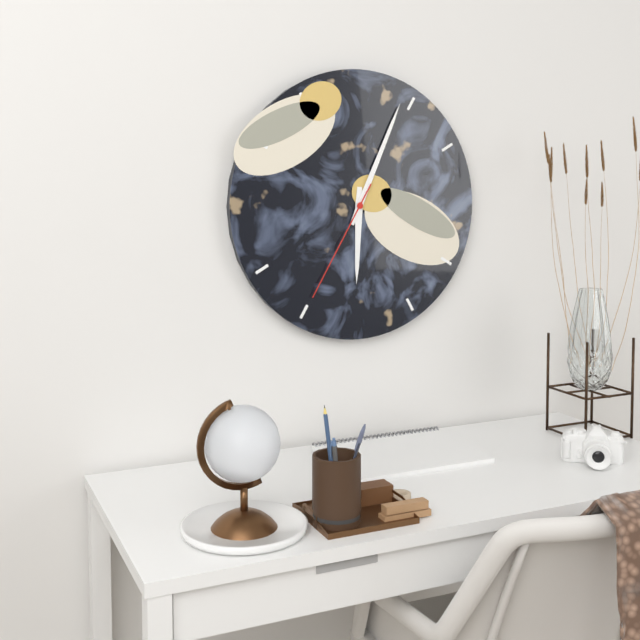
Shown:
6 h 04 min 35 s
